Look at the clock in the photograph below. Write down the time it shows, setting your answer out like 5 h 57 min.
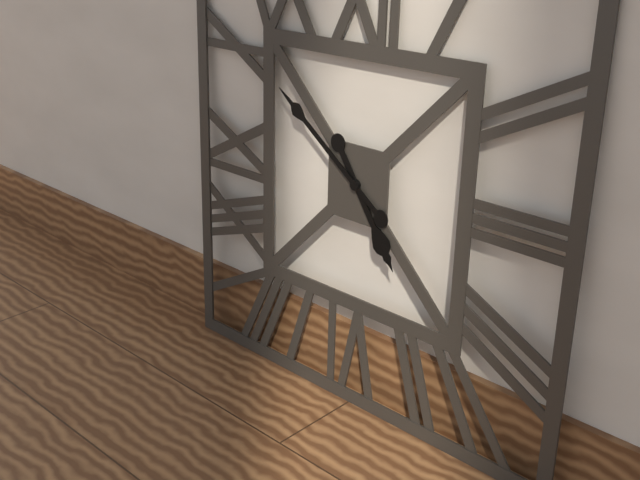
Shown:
4 h 51 min
